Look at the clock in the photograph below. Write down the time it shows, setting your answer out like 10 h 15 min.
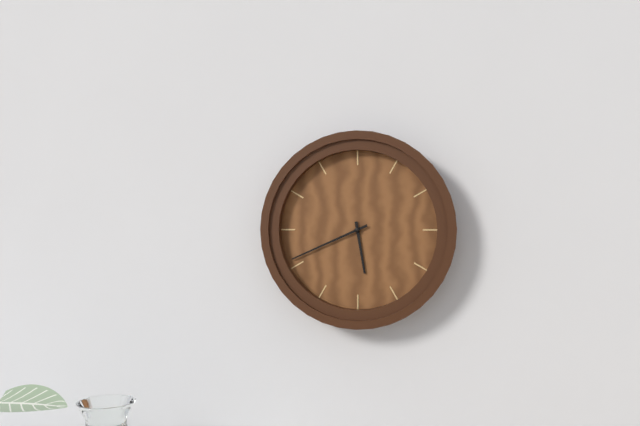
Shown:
5 h 41 min
